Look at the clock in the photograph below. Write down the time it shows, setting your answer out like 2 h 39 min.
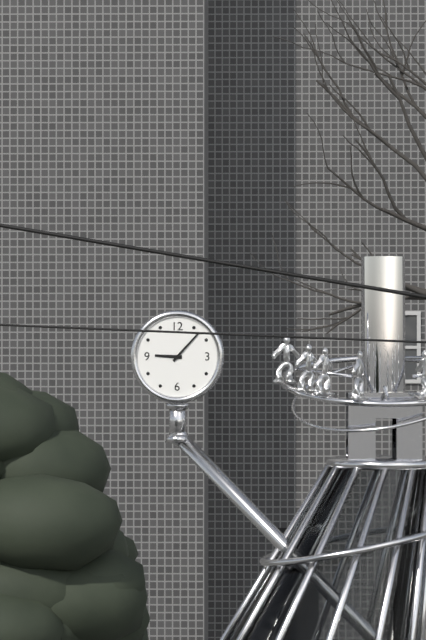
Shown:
9 h 07 min
